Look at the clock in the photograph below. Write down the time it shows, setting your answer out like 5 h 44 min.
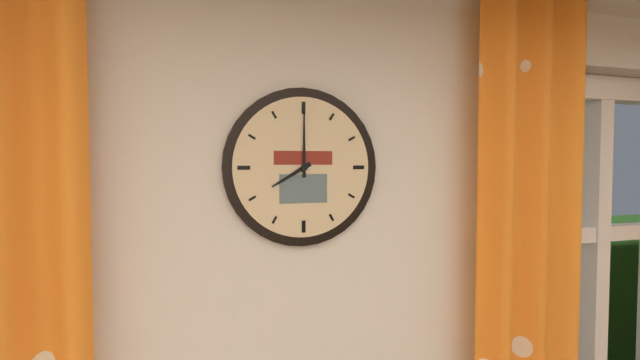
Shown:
8 h 00 min
